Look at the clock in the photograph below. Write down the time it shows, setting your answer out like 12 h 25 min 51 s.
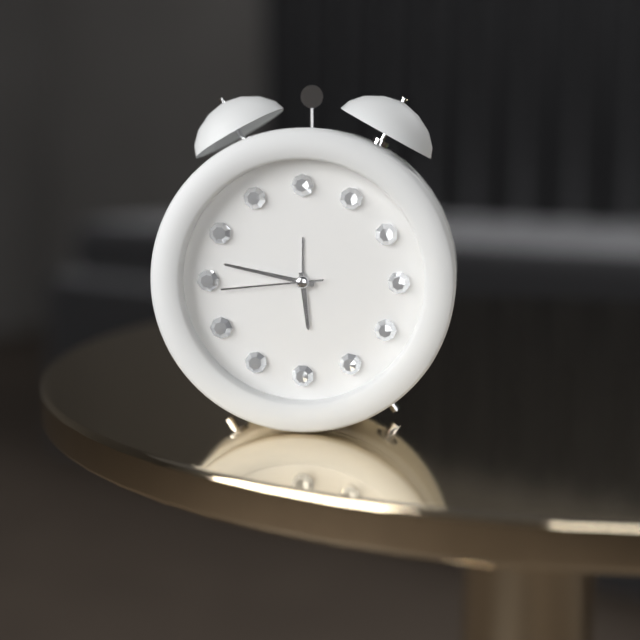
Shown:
5 h 47 min 44 s
